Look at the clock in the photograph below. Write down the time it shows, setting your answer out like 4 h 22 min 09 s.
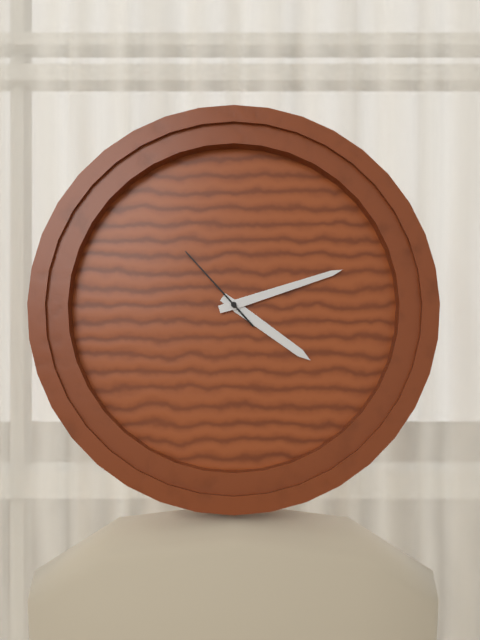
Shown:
4 h 12 min 53 s
